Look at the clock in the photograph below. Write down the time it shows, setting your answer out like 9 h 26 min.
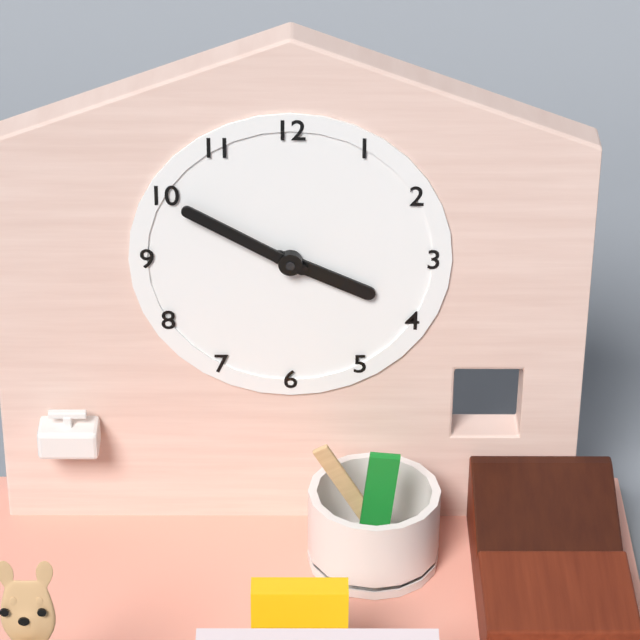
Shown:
3 h 50 min
